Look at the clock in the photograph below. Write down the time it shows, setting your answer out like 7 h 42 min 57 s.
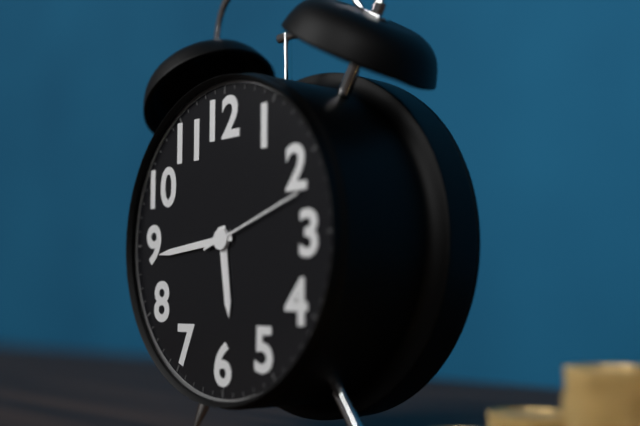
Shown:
5 h 44 min 12 s
